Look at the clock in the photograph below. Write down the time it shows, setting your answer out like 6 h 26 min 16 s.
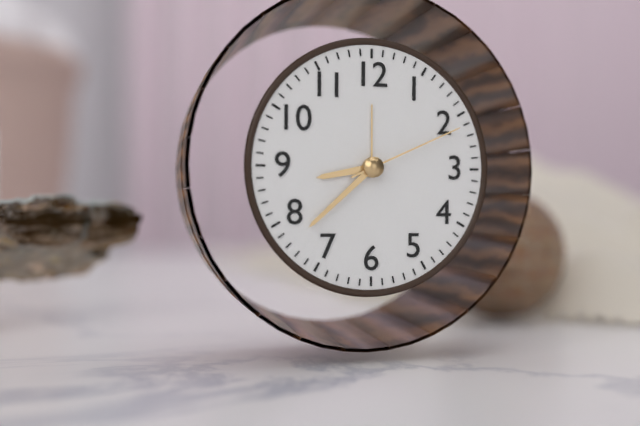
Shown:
8 h 38 min 11 s
